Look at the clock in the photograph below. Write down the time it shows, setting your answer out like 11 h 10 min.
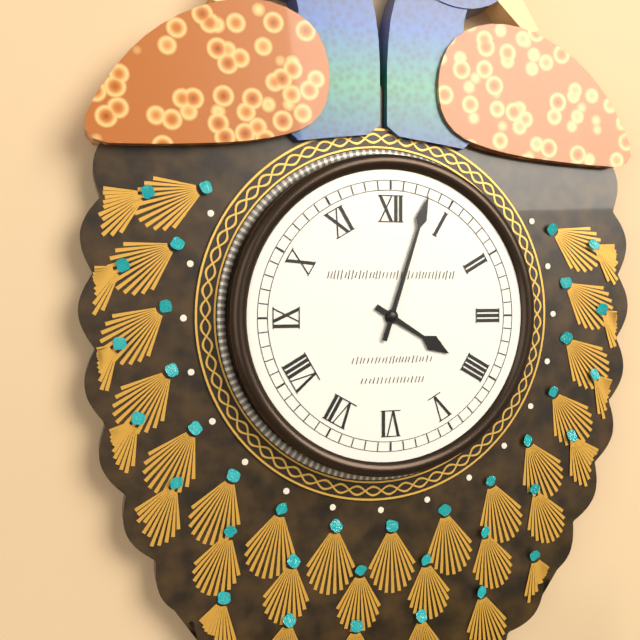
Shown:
4 h 03 min
